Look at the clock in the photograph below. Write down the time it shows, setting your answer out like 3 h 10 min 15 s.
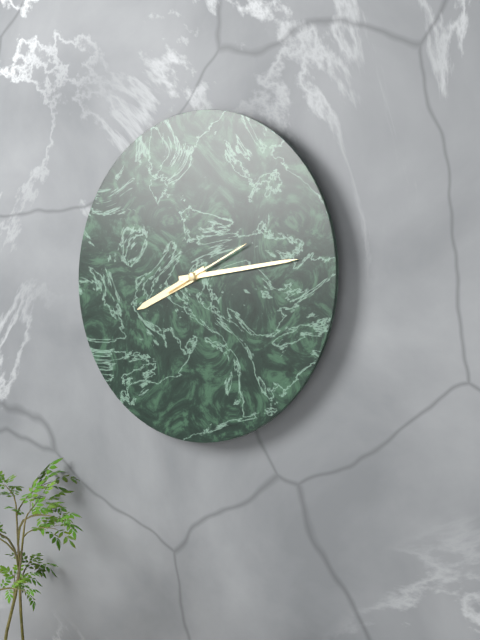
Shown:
8 h 14 min 11 s
